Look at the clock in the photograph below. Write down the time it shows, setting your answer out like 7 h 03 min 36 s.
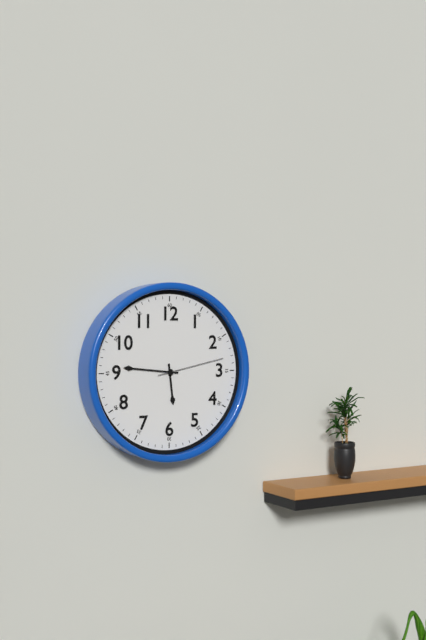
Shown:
5 h 46 min 13 s
